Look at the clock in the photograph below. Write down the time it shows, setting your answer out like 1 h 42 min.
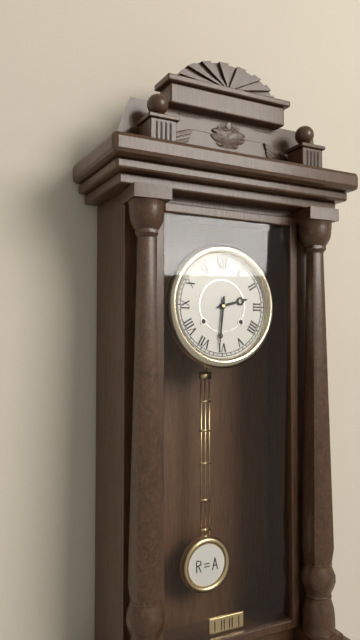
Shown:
2 h 31 min
